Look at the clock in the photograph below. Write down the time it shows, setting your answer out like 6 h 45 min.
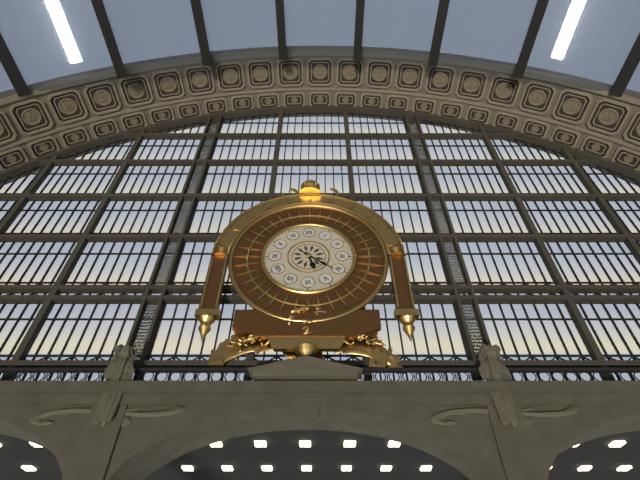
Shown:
5 h 21 min
